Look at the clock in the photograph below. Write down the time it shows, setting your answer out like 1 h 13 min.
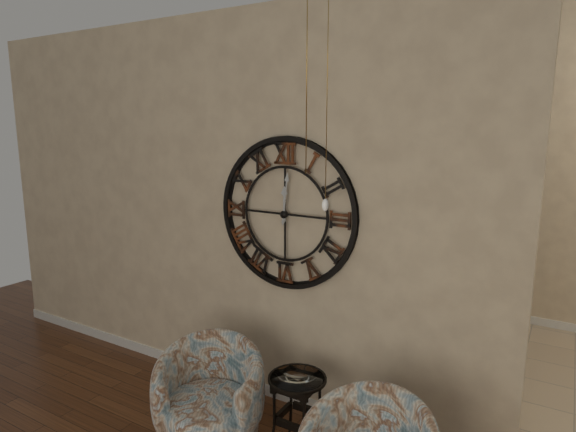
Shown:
12 h 01 min
